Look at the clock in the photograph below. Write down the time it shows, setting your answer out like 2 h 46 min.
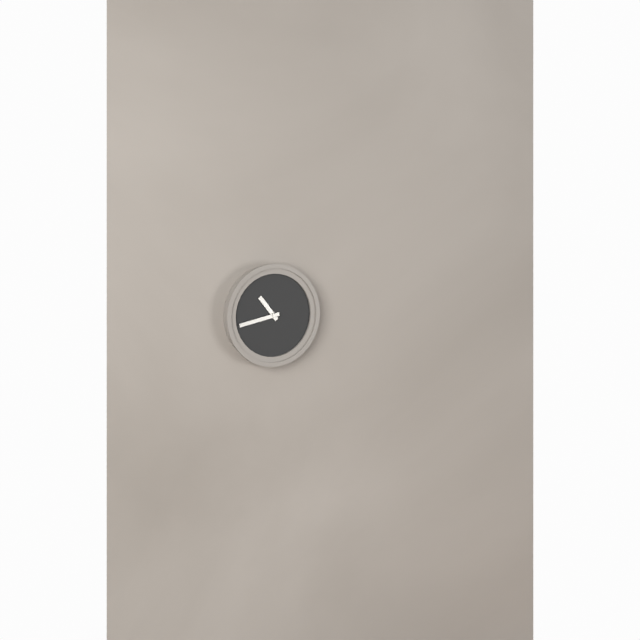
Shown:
10 h 43 min
